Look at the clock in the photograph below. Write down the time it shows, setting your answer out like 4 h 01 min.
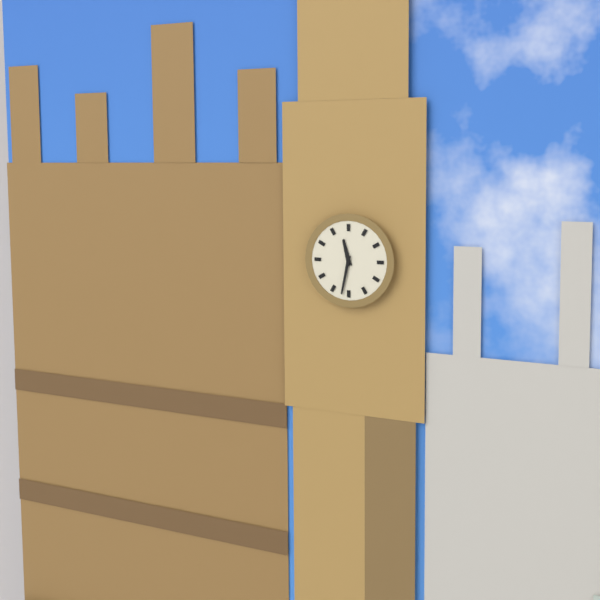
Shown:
11 h 32 min
